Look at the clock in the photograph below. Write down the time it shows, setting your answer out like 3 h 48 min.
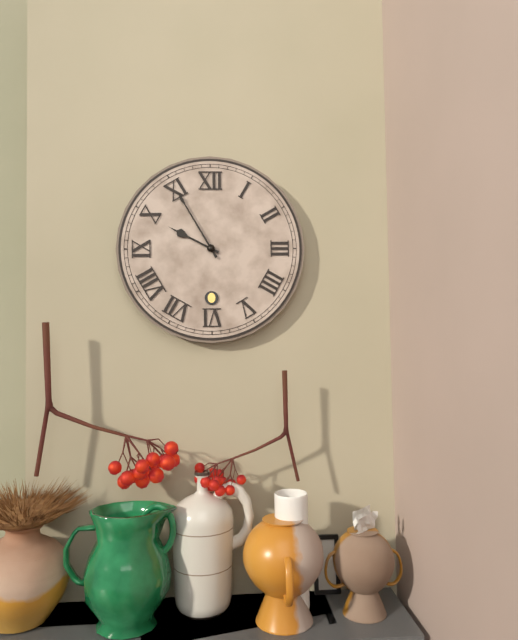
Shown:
9 h 55 min
